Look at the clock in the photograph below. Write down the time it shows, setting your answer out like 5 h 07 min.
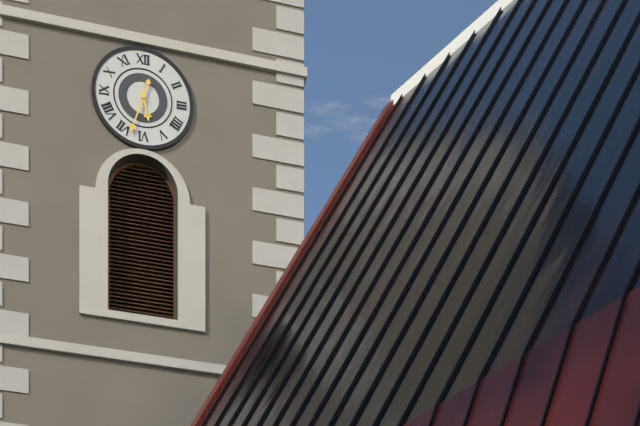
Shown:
5 h 33 min
